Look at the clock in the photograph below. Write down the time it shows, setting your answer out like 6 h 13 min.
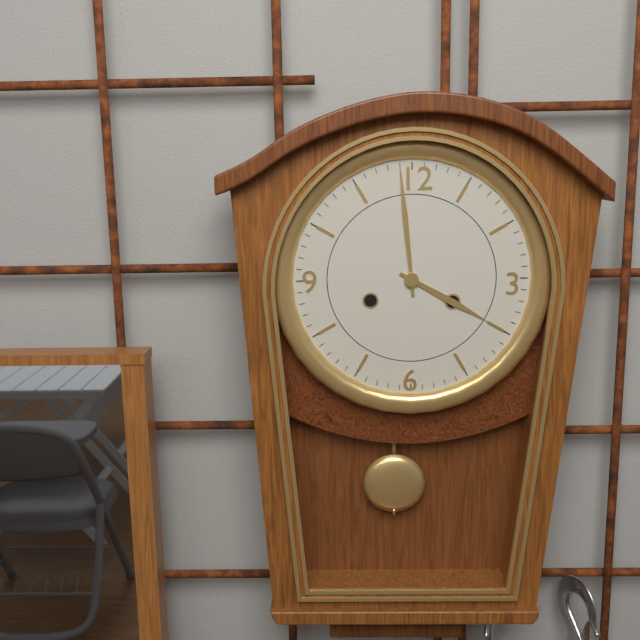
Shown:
3 h 59 min
